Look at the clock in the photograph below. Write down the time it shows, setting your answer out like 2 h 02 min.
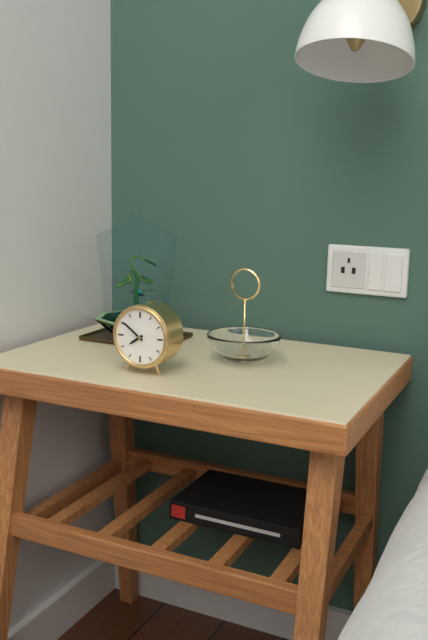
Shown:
7 h 51 min
